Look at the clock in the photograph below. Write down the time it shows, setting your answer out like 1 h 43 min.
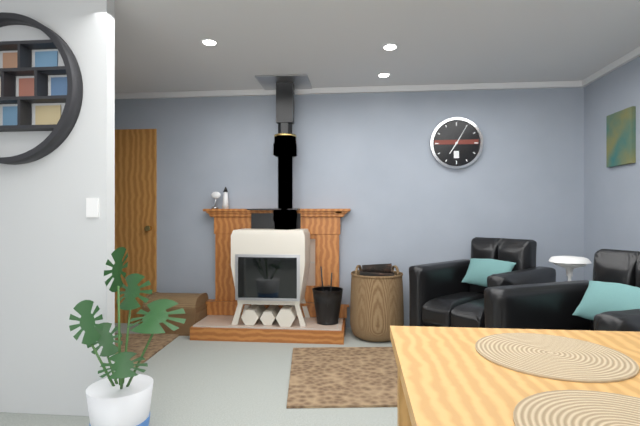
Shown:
7 h 05 min
